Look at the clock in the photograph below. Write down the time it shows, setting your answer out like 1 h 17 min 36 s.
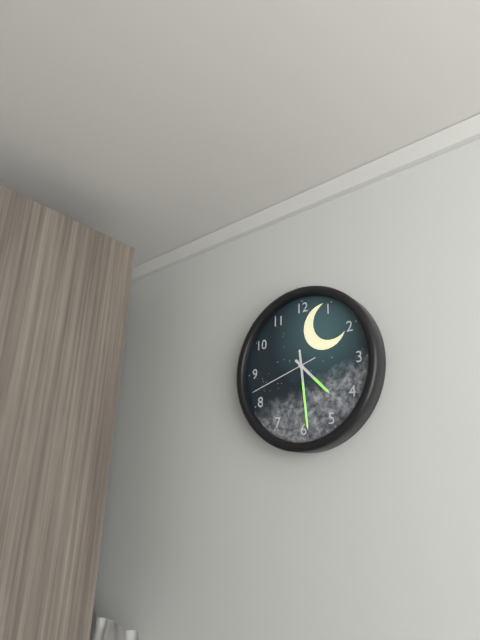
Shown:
4 h 29 min 42 s
